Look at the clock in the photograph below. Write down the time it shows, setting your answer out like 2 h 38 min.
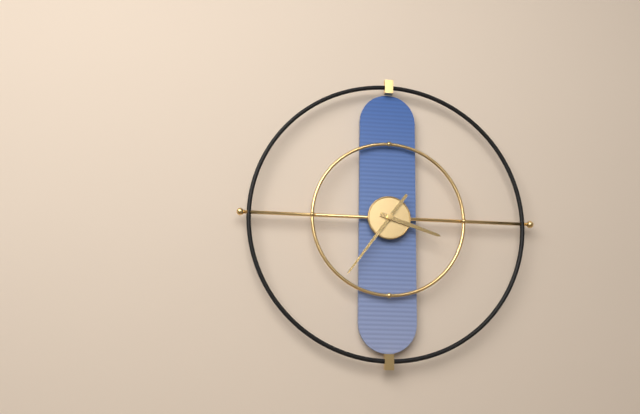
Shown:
3 h 36 min
